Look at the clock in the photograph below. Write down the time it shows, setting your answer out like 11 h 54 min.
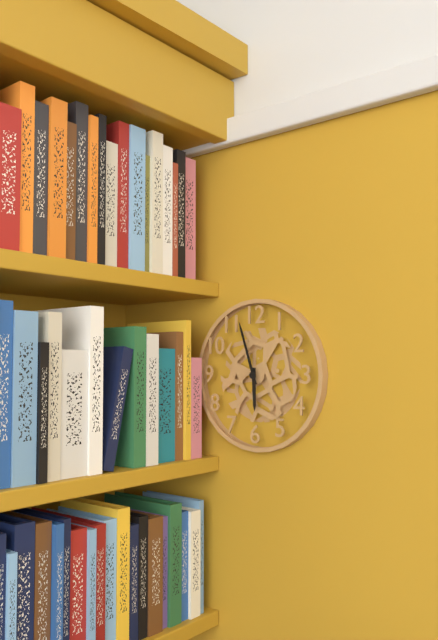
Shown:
5 h 57 min
